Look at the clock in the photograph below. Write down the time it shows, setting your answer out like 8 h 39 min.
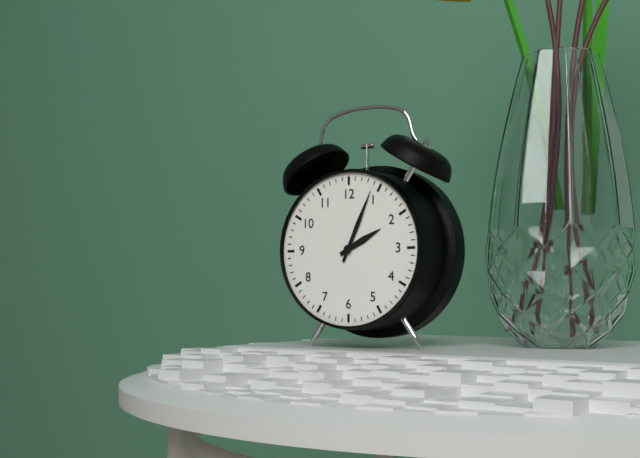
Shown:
2 h 04 min
